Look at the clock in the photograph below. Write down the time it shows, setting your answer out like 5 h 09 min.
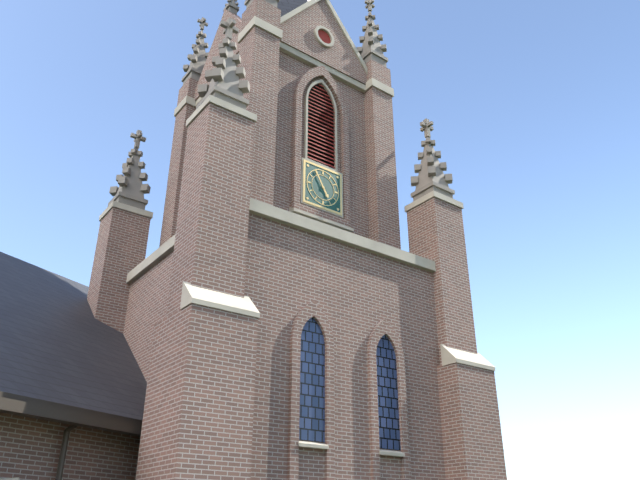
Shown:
4 h 55 min
